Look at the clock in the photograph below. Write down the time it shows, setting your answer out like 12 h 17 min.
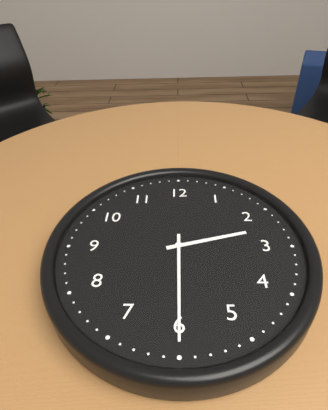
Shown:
2 h 30 min
